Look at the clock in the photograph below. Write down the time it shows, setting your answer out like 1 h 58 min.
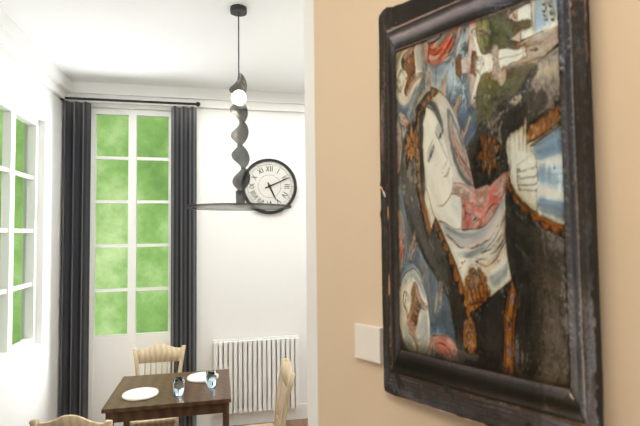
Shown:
5 h 11 min
